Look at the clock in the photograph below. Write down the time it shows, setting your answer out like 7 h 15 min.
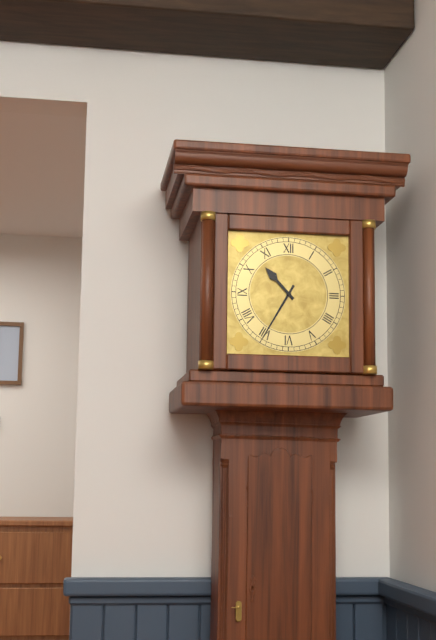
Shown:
10 h 35 min
